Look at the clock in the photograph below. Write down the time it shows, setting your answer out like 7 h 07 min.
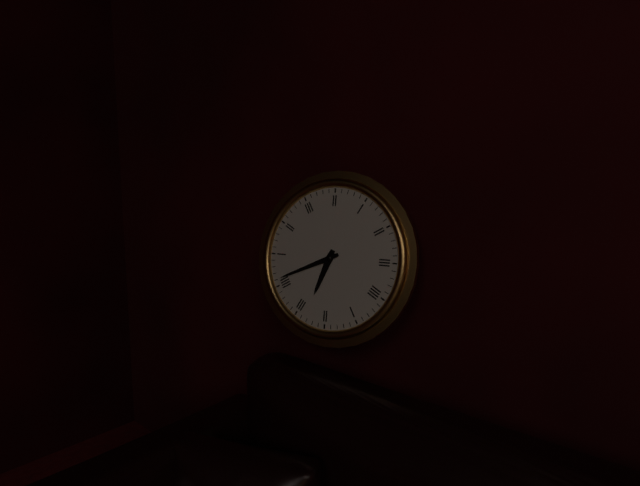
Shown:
6 h 41 min
